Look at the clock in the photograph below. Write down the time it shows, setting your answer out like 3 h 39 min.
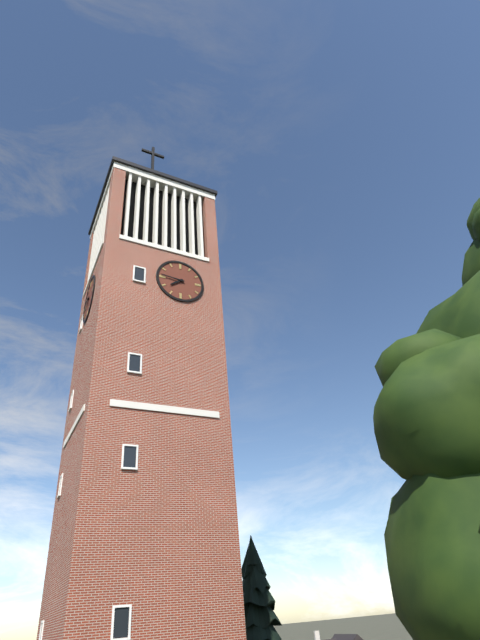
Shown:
7 h 46 min
